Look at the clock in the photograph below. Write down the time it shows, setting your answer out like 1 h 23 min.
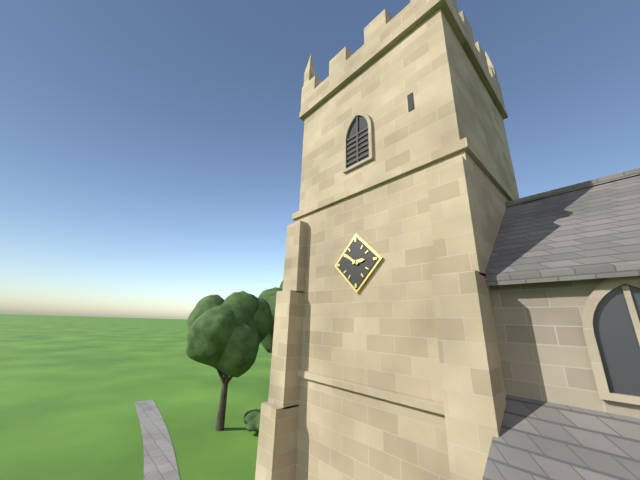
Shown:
2 h 51 min
